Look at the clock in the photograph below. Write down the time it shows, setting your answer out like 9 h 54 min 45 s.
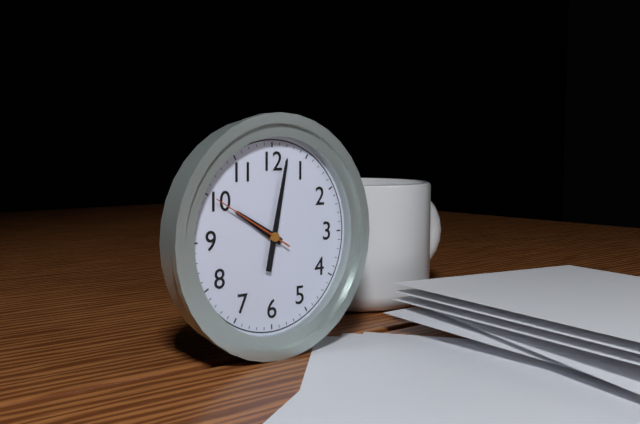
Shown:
10 h 02 min 50 s
